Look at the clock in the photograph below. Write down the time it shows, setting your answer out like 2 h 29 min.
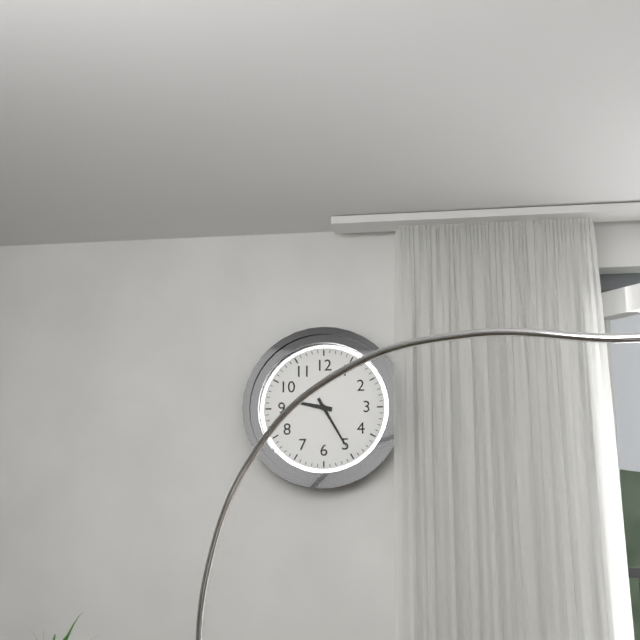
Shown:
9 h 25 min
